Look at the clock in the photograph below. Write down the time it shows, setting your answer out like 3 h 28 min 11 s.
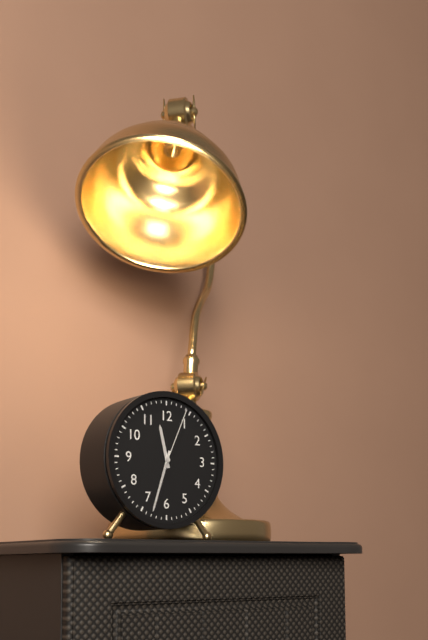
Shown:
11 h 33 min 04 s
